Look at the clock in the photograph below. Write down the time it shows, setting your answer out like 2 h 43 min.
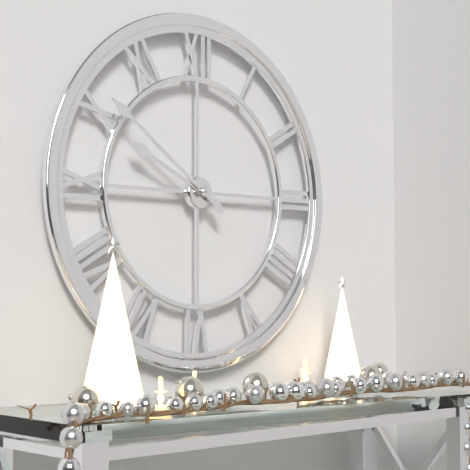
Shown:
9 h 51 min
